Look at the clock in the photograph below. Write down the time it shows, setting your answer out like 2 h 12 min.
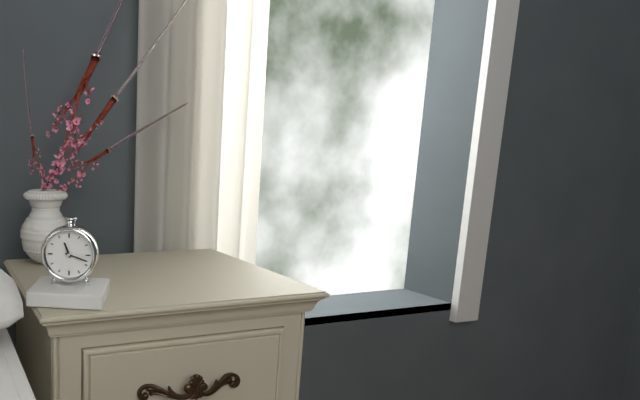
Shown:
11 h 18 min
